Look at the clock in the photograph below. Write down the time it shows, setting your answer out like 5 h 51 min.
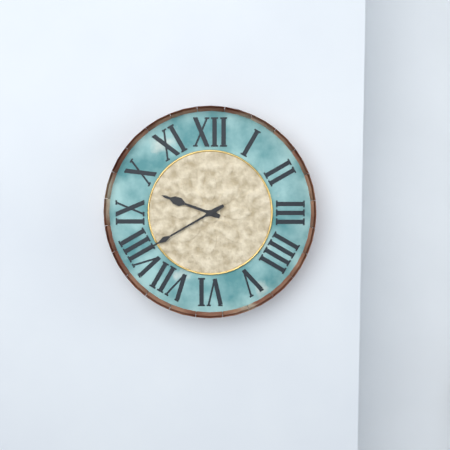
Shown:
9 h 40 min
